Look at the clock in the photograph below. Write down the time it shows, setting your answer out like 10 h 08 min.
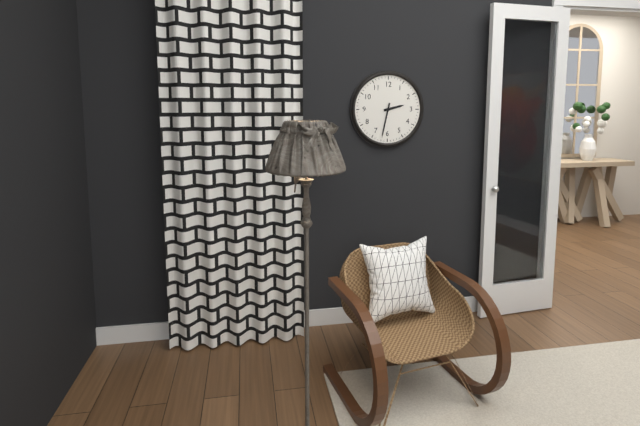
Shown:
2 h 32 min
